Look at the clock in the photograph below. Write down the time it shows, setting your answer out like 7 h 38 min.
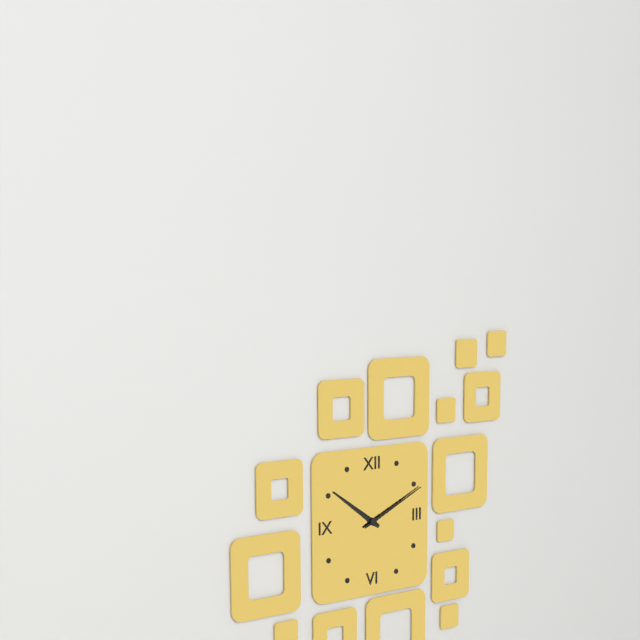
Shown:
10 h 11 min
